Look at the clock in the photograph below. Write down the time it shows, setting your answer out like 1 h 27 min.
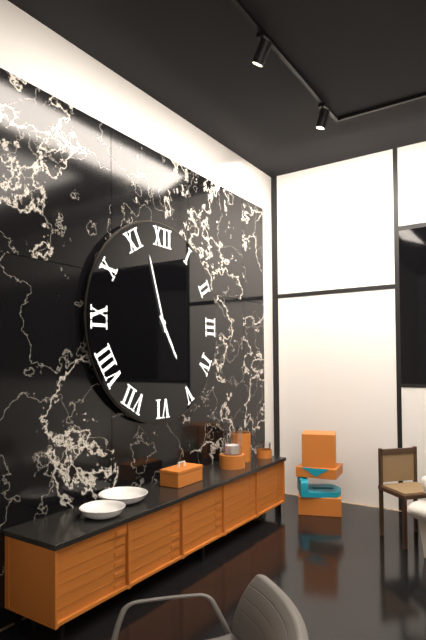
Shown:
4 h 57 min
